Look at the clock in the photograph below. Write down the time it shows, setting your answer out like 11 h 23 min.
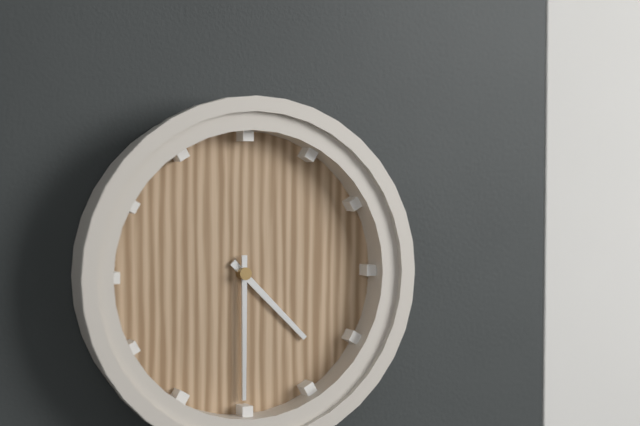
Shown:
4 h 30 min
